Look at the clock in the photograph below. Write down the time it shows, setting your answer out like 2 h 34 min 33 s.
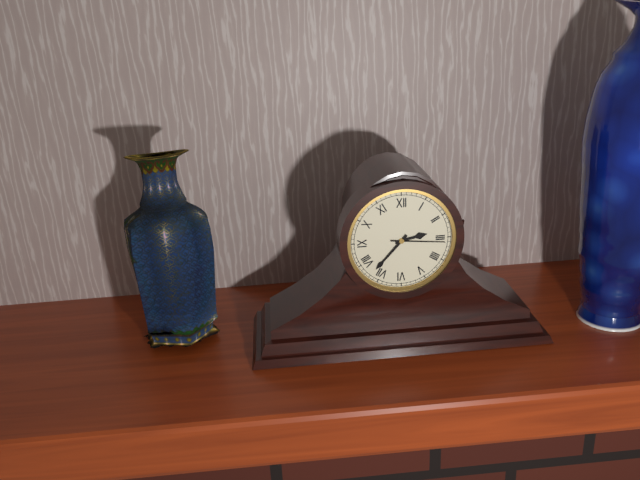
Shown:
2 h 37 min 16 s
